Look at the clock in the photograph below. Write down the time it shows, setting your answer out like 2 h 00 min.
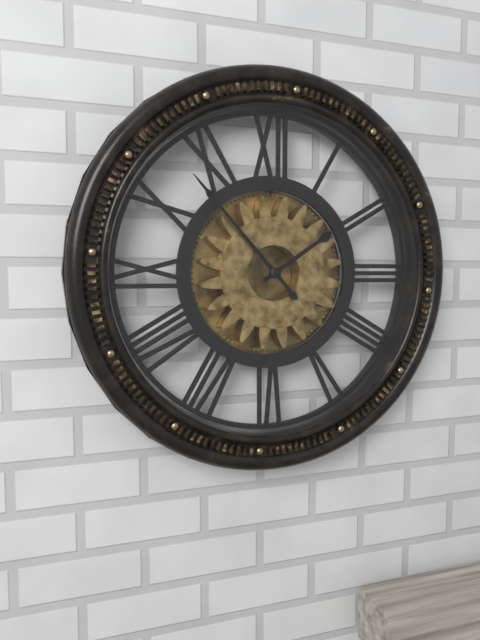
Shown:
1 h 53 min
